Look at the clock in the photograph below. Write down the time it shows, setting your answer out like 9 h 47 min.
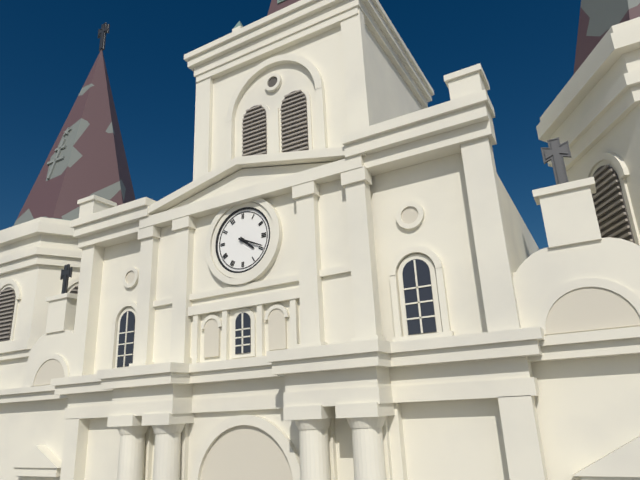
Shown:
4 h 19 min
